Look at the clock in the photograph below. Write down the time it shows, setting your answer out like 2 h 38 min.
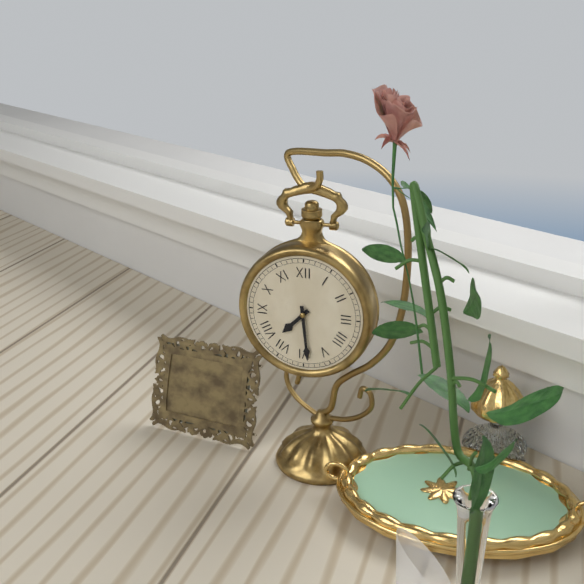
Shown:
7 h 29 min
